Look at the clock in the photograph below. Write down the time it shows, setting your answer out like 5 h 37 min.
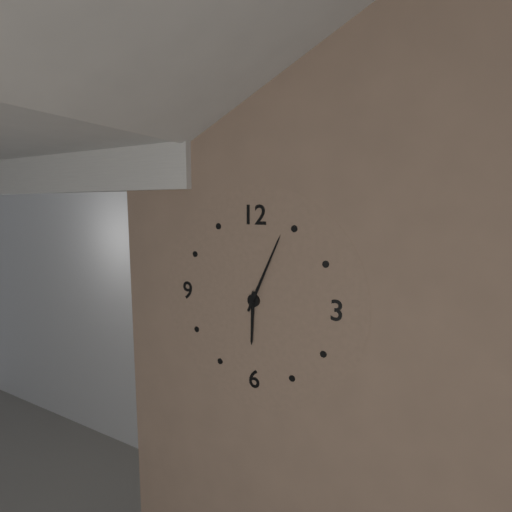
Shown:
6 h 04 min
